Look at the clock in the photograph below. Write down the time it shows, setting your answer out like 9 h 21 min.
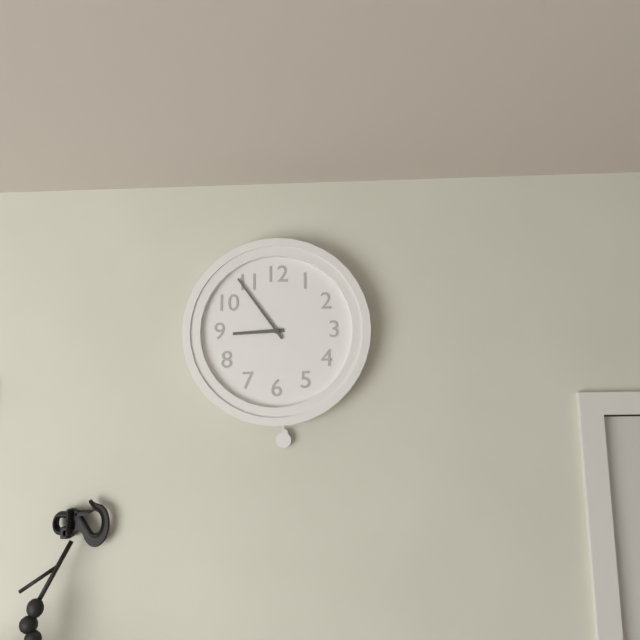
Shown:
8 h 54 min
